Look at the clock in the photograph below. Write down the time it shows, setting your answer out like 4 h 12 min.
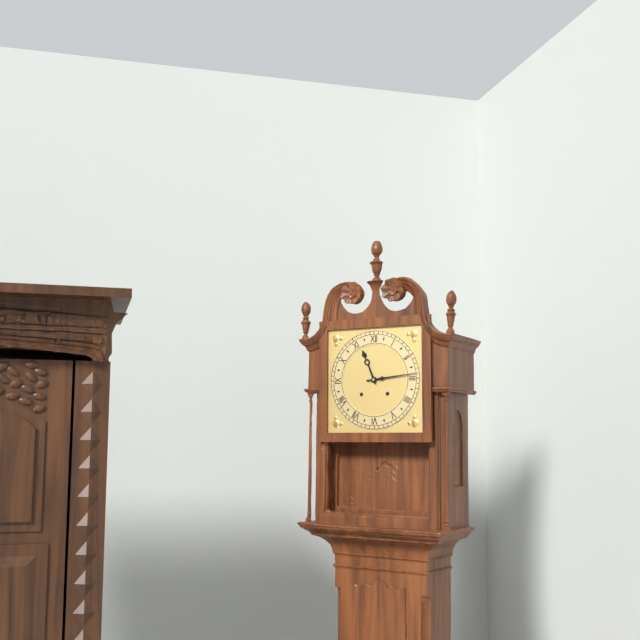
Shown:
11 h 14 min
